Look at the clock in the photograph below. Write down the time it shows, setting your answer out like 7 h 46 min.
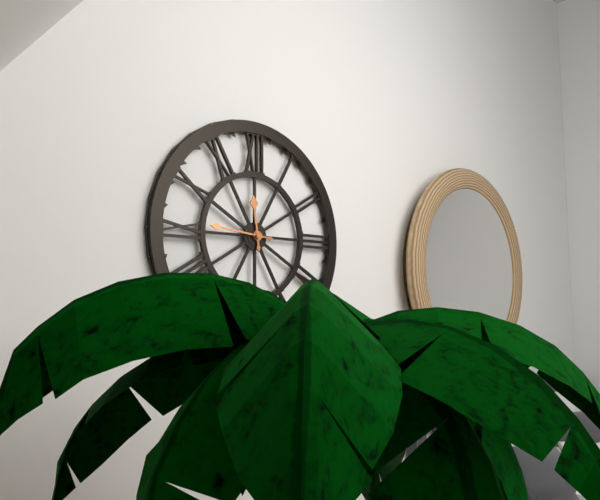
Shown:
11 h 46 min
